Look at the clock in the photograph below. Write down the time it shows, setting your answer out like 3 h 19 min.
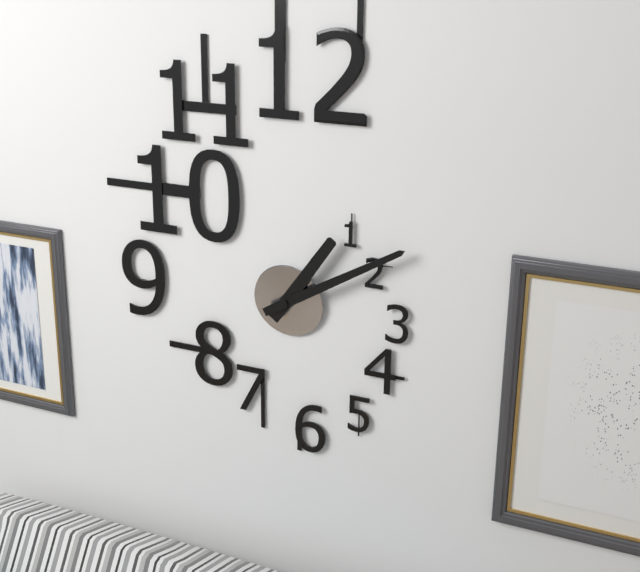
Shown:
1 h 10 min
